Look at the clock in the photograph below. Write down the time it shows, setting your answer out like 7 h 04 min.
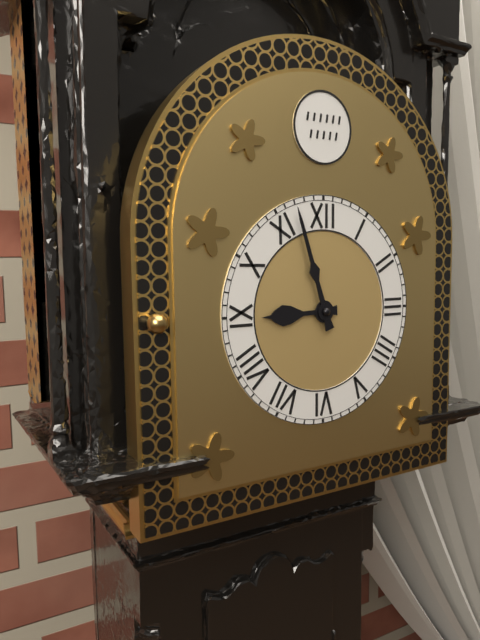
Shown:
8 h 57 min
